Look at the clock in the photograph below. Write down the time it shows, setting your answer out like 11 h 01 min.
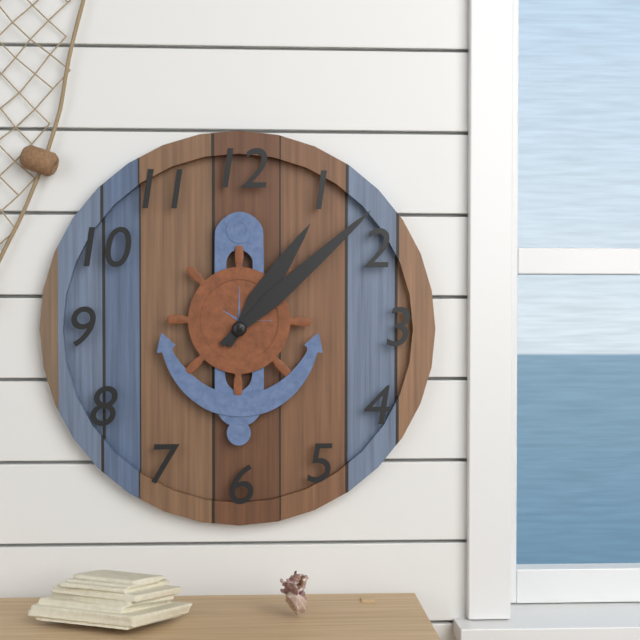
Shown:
1 h 08 min
